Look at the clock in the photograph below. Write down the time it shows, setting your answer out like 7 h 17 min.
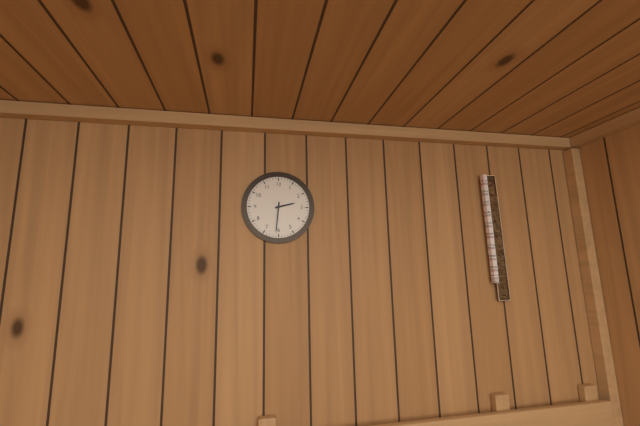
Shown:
2 h 31 min
